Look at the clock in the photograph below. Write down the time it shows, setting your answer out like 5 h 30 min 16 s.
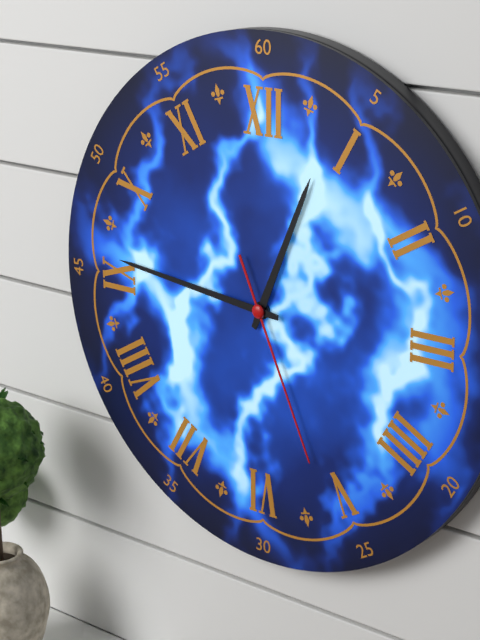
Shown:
12 h 46 min 26 s
